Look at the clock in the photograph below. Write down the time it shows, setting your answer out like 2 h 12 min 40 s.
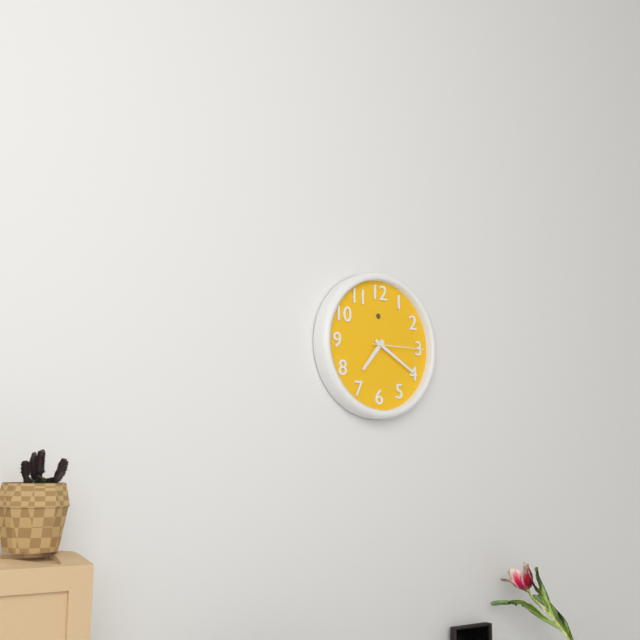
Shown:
7 h 20 min 15 s
